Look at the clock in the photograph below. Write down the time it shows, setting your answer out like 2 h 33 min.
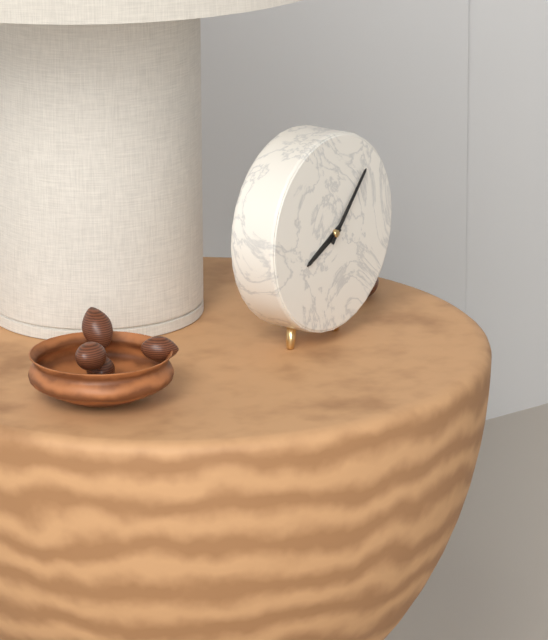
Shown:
8 h 07 min
